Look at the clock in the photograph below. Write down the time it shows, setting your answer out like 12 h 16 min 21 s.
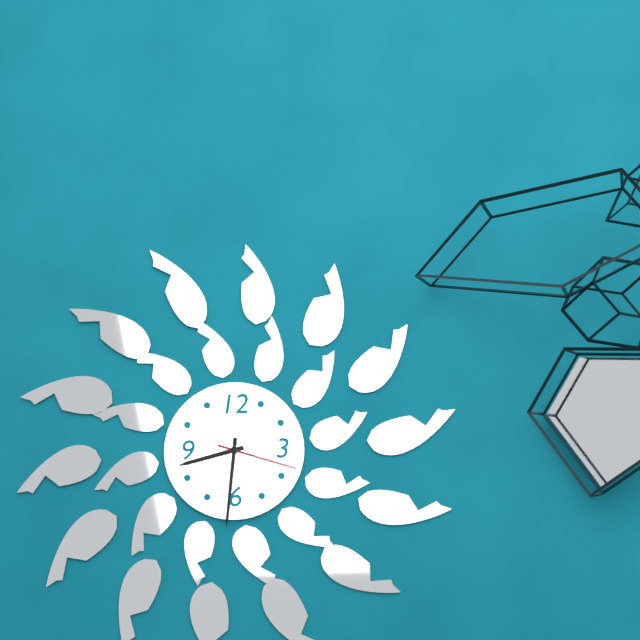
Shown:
8 h 31 min 18 s
